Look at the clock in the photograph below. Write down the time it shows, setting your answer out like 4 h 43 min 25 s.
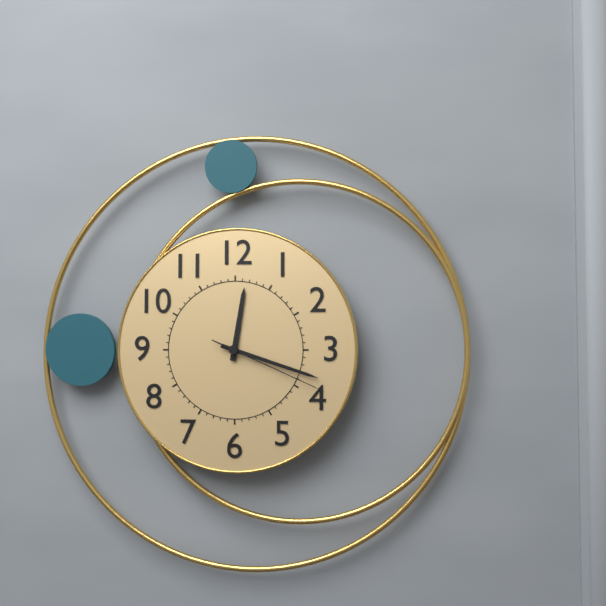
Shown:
12 h 18 min 19 s
